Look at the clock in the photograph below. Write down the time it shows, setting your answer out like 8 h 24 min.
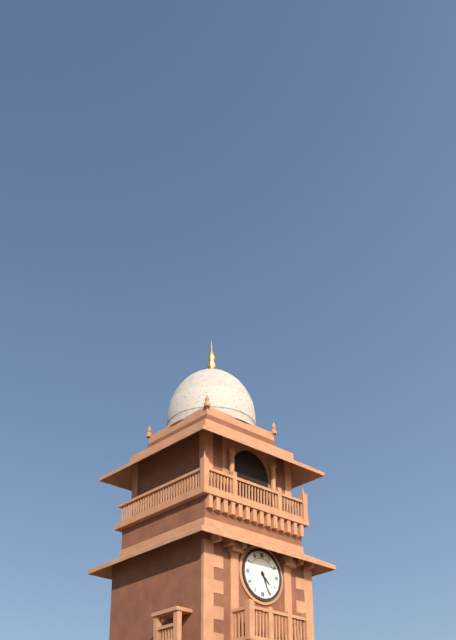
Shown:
4 h 26 min
